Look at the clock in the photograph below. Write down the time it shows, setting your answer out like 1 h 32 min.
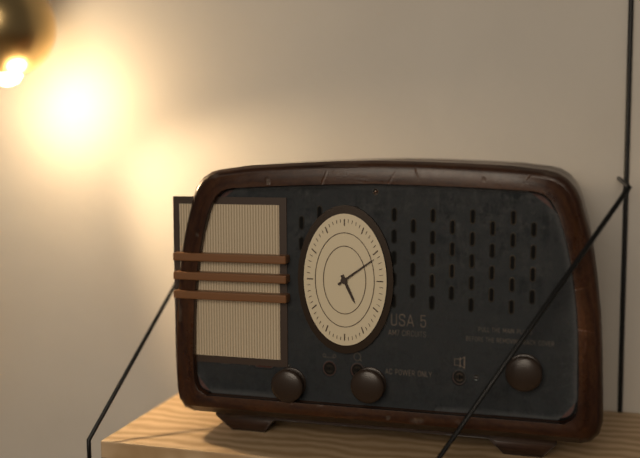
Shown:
5 h 09 min
